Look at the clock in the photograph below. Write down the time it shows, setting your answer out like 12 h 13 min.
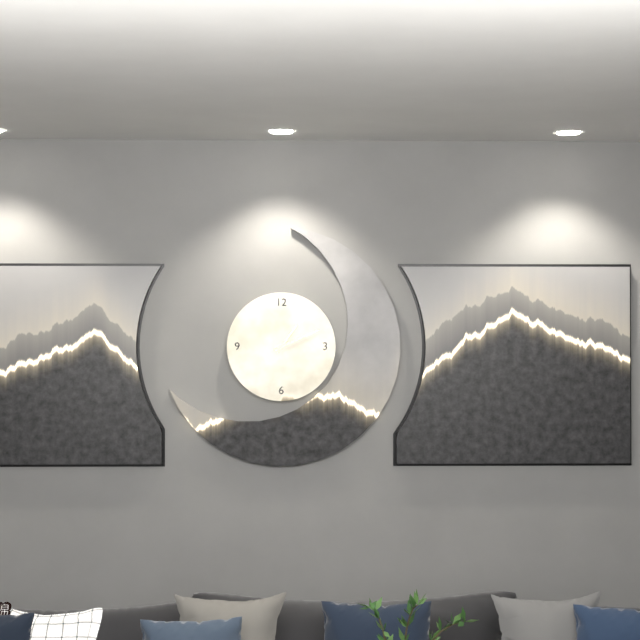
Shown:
1 h 11 min
